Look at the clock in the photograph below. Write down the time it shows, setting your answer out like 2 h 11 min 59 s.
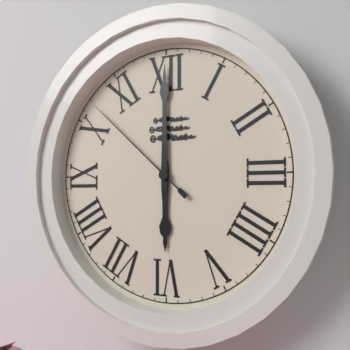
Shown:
6 h 00 min 52 s
